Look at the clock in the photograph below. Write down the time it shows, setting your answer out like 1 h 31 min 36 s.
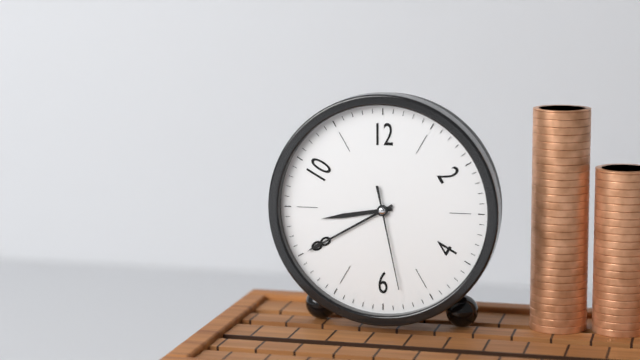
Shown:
8 h 40 min 28 s
